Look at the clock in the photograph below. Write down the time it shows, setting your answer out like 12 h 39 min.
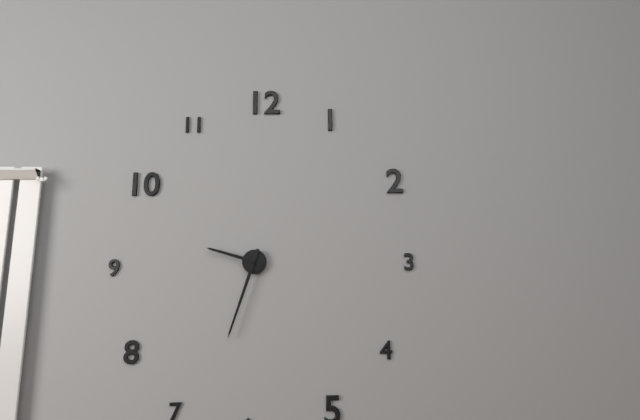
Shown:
9 h 33 min
